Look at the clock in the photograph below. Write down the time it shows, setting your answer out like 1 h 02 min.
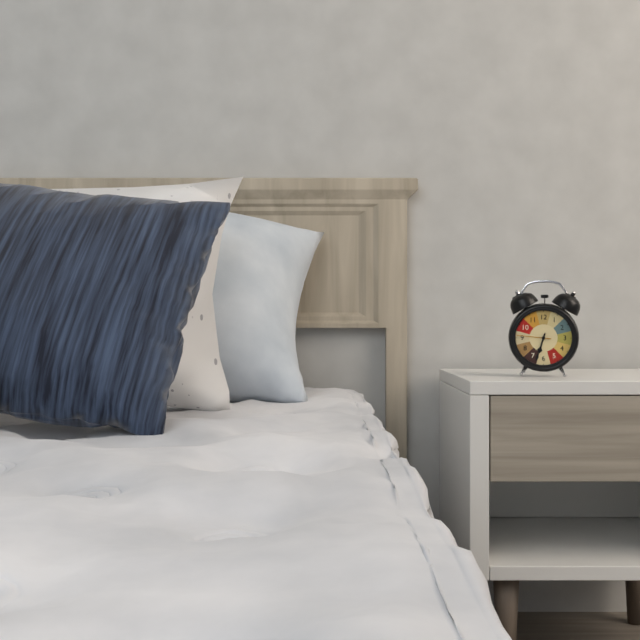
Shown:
6 h 33 min
